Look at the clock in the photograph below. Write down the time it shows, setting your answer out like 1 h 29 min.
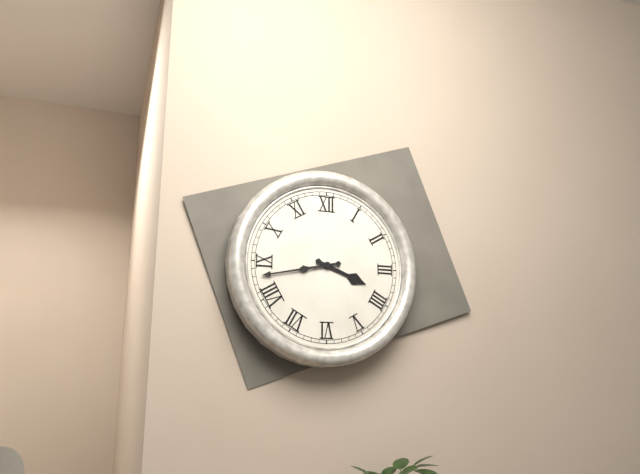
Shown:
3 h 43 min
